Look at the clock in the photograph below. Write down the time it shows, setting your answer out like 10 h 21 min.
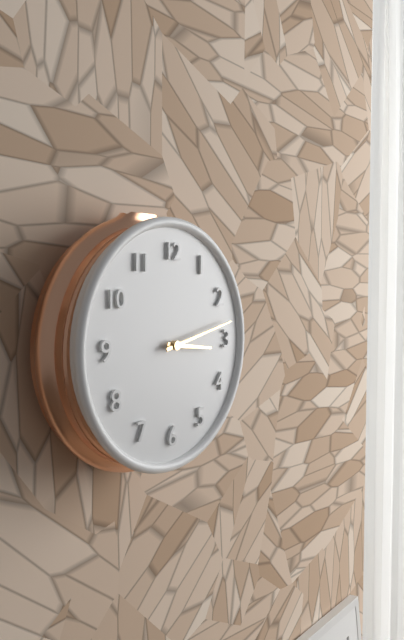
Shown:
3 h 13 min
